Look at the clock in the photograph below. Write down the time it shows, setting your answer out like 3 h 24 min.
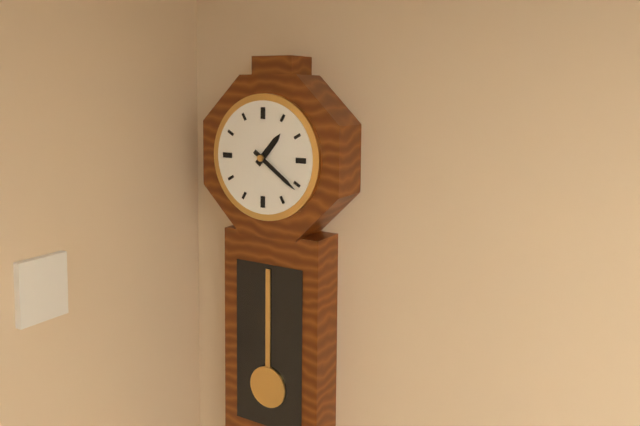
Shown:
1 h 21 min
